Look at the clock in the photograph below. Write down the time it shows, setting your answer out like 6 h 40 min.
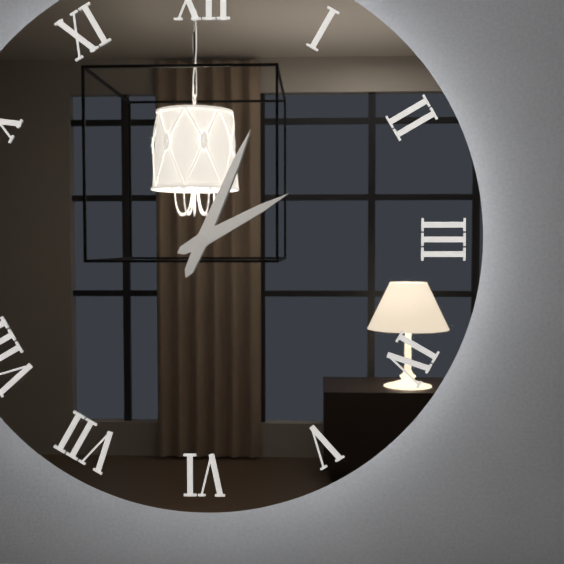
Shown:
2 h 04 min
